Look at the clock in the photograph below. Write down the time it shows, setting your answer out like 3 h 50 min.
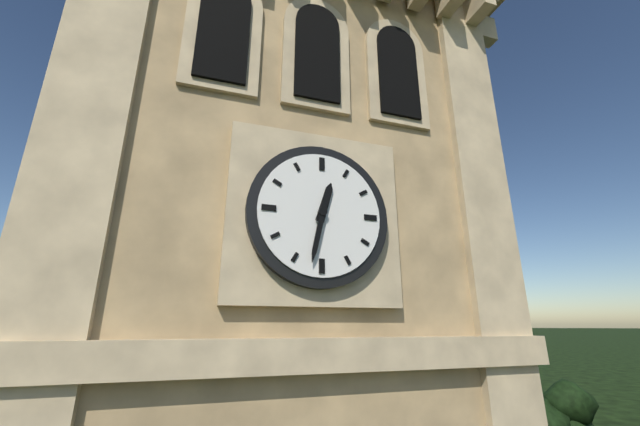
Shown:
12 h 32 min
